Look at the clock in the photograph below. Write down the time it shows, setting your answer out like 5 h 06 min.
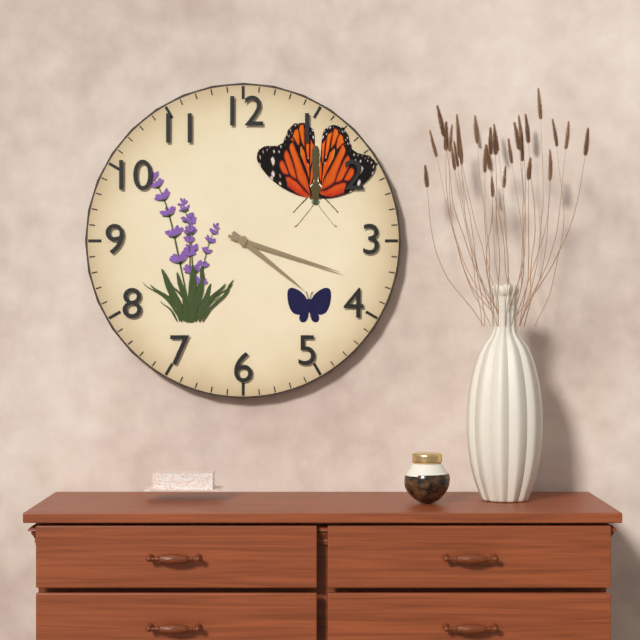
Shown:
4 h 18 min
